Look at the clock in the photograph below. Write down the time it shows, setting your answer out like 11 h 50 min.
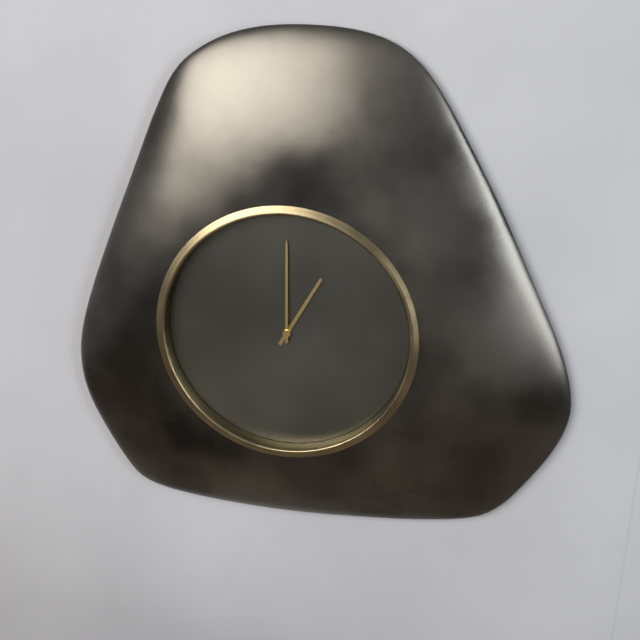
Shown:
1 h 00 min
